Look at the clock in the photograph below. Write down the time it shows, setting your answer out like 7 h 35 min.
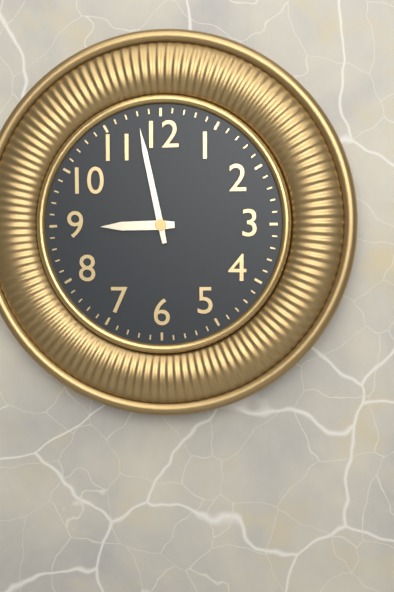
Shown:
8 h 58 min
